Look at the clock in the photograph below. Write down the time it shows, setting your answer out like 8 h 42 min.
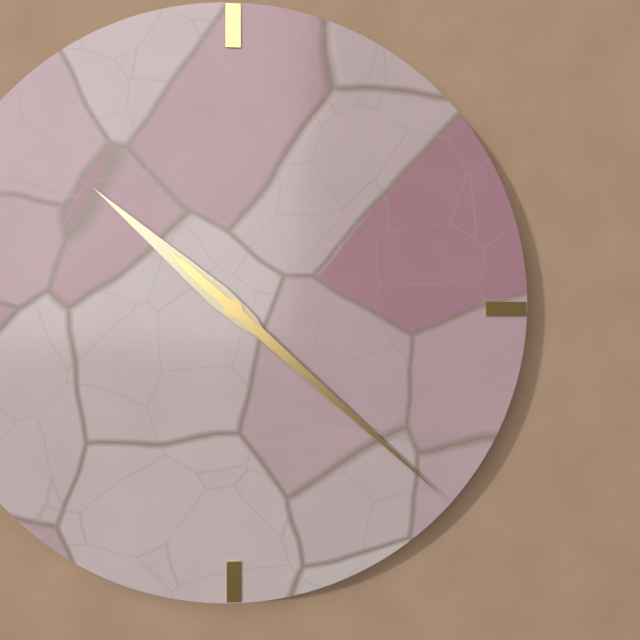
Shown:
10 h 22 min
